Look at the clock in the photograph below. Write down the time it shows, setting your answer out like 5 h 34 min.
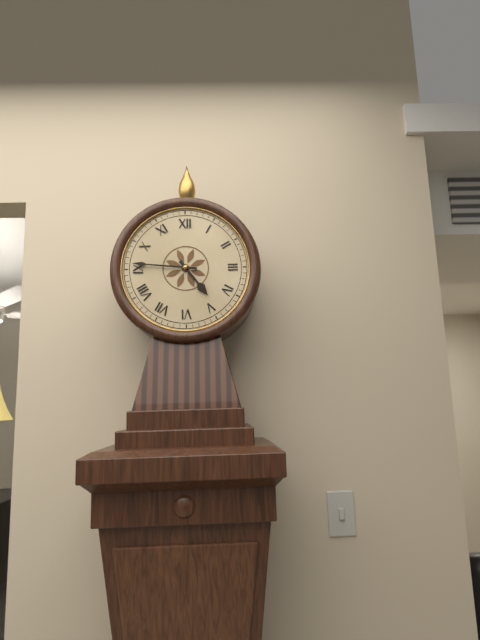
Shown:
4 h 46 min
